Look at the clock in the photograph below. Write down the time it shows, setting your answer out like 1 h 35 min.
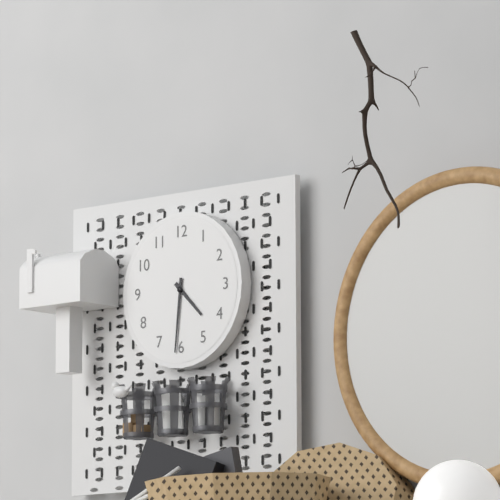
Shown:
4 h 31 min
